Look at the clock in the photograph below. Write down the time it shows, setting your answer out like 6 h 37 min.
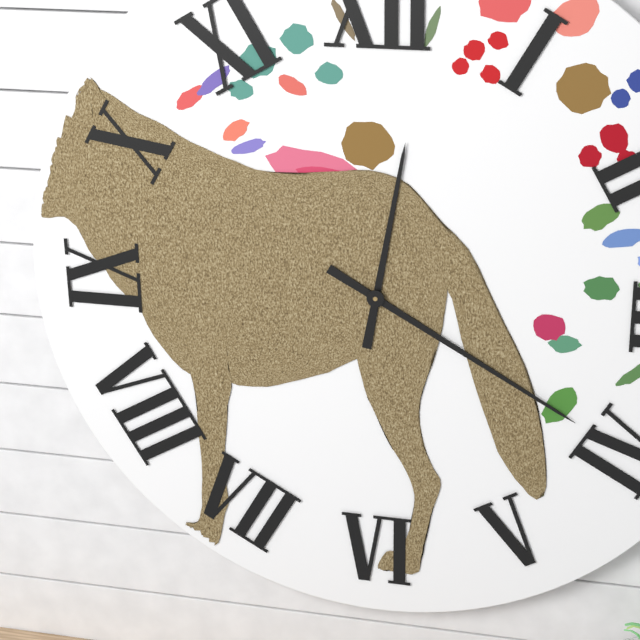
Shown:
12 h 20 min
